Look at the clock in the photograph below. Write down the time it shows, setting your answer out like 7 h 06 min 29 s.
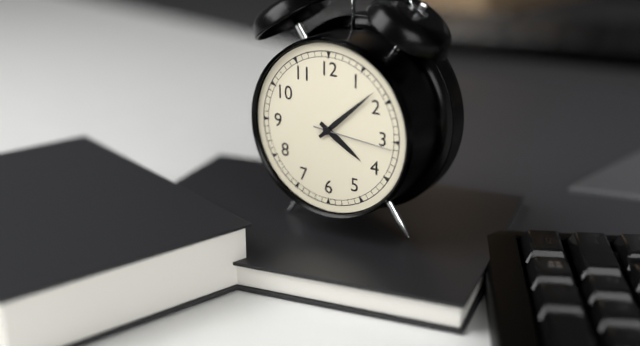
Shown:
4 h 08 min 16 s
